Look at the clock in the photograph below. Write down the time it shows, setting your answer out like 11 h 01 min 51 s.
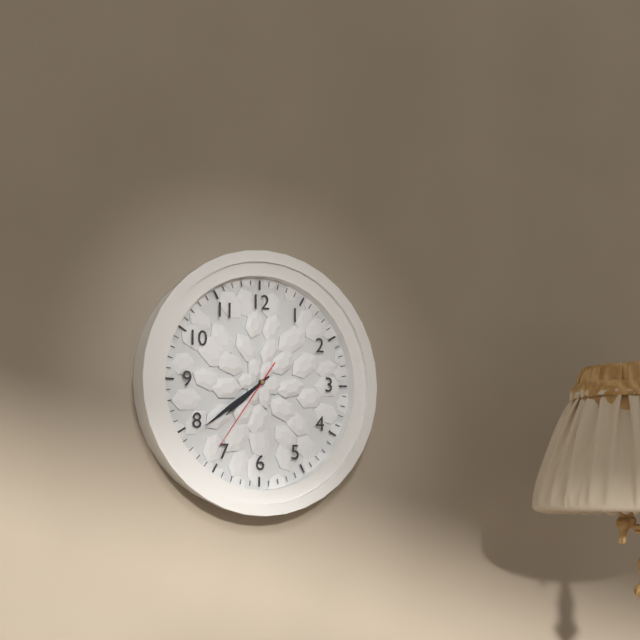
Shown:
7 h 39 min 36 s
